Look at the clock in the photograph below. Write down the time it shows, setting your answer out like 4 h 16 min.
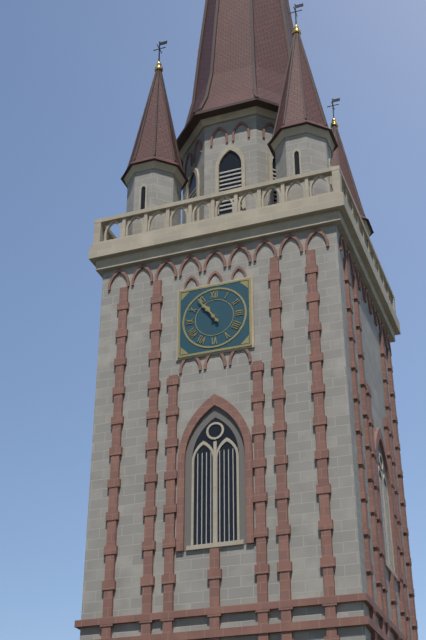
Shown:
10 h 54 min
